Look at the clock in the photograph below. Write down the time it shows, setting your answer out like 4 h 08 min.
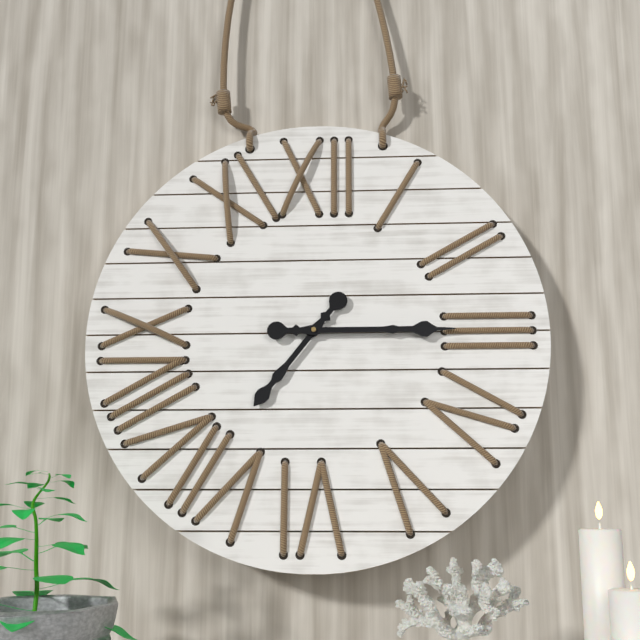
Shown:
7 h 15 min
